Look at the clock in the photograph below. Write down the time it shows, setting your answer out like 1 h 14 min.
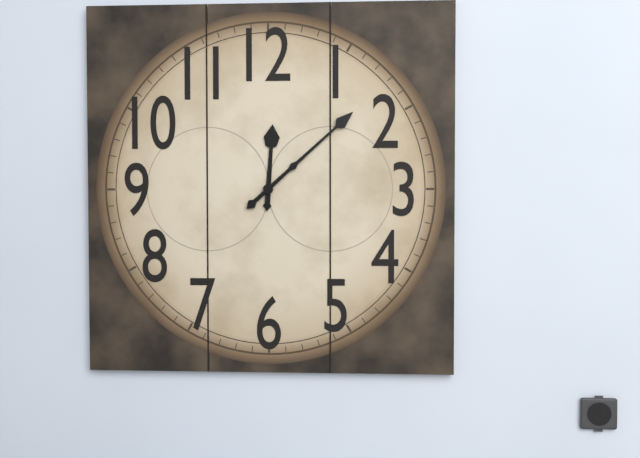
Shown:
12 h 08 min
